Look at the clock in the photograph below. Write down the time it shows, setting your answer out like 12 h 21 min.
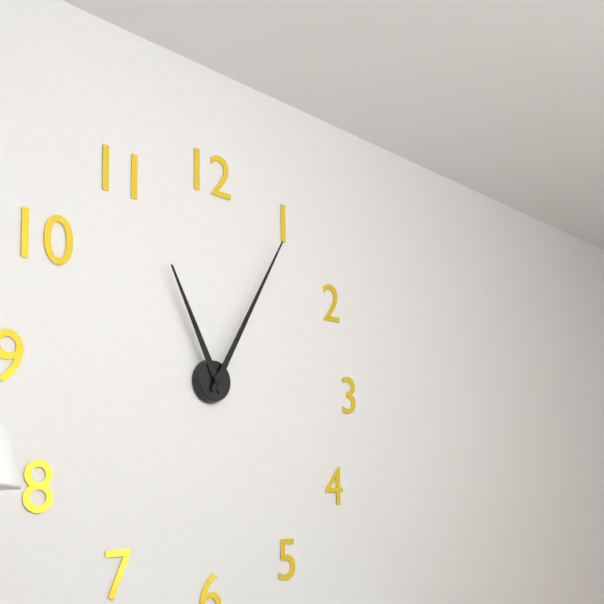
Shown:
11 h 05 min
